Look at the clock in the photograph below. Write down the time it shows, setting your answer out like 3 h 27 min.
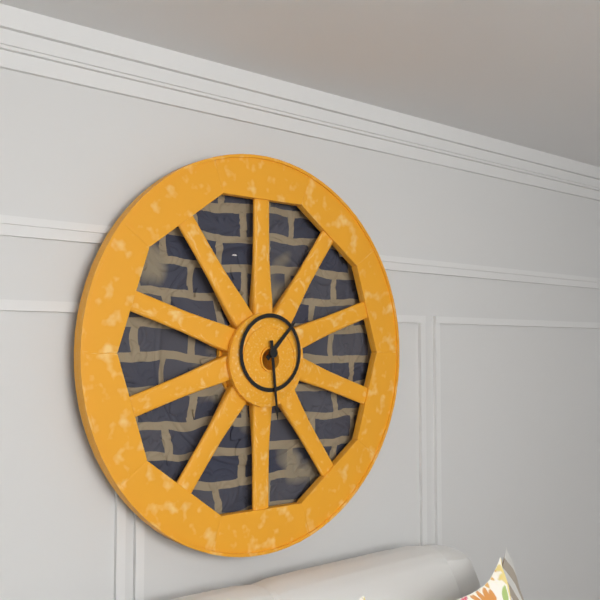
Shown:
1 h 29 min
